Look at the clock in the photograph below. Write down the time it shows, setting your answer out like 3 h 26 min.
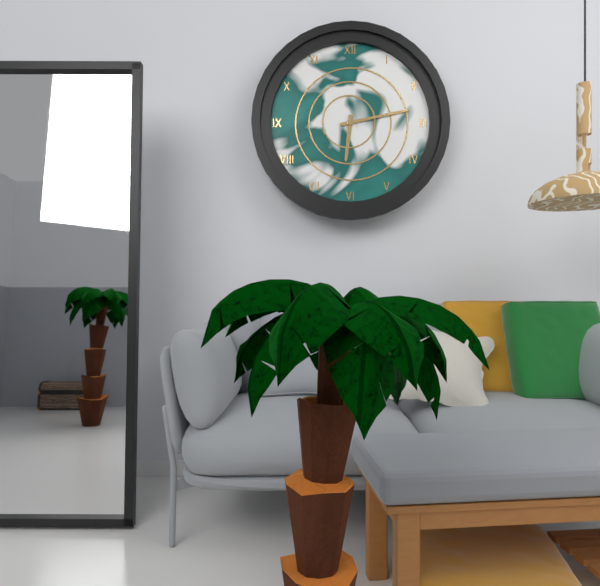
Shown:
6 h 13 min
